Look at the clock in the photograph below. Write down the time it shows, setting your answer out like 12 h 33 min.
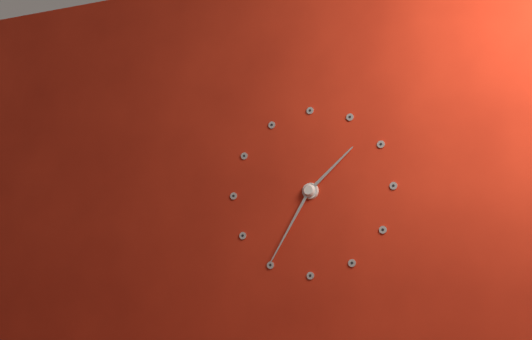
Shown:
1 h 35 min
